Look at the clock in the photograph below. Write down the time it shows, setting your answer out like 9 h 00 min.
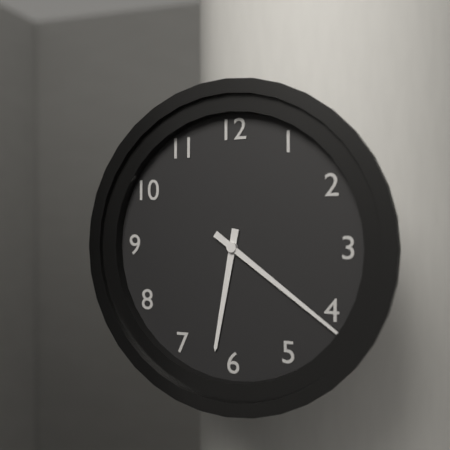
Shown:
6 h 21 min
